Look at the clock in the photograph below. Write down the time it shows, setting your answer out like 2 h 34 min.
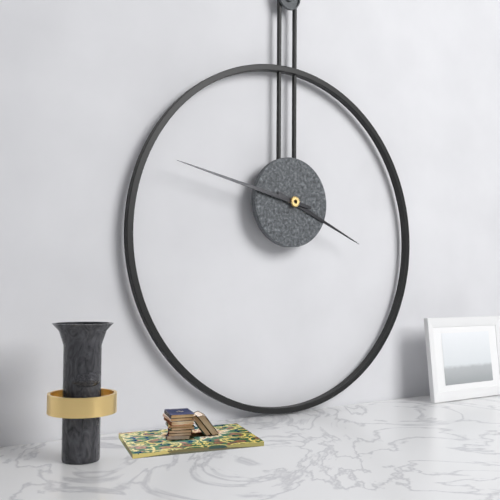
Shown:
3 h 47 min
